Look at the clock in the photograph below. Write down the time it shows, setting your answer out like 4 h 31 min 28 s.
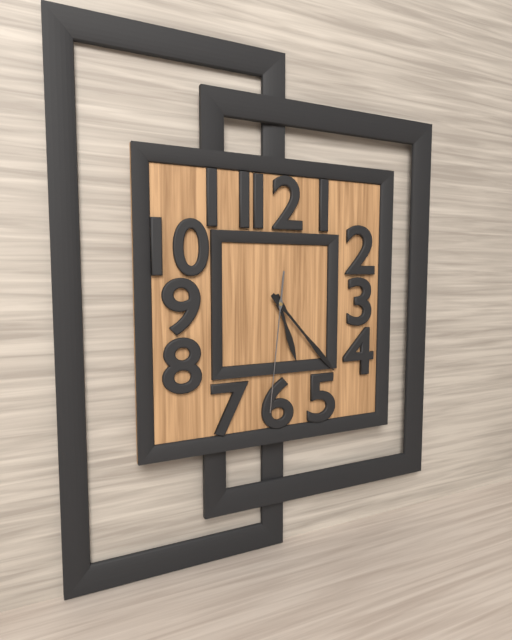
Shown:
5 h 23 min 31 s
